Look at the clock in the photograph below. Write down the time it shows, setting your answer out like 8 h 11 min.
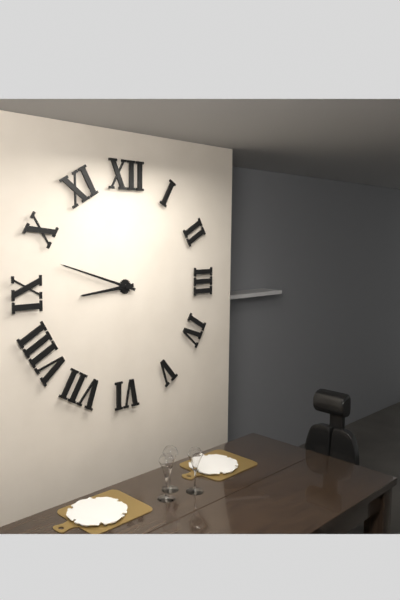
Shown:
8 h 48 min
